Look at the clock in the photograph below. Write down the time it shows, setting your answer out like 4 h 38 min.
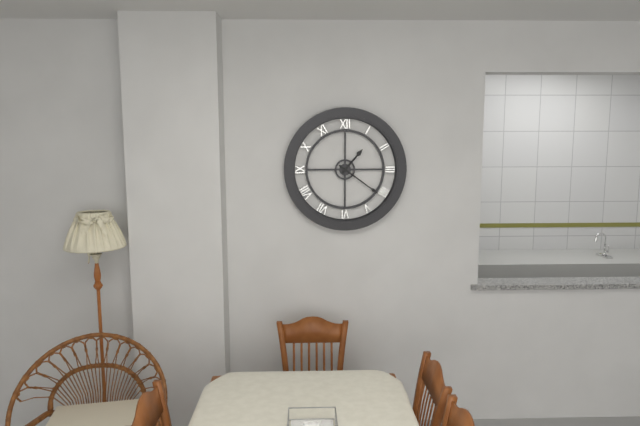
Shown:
1 h 21 min
